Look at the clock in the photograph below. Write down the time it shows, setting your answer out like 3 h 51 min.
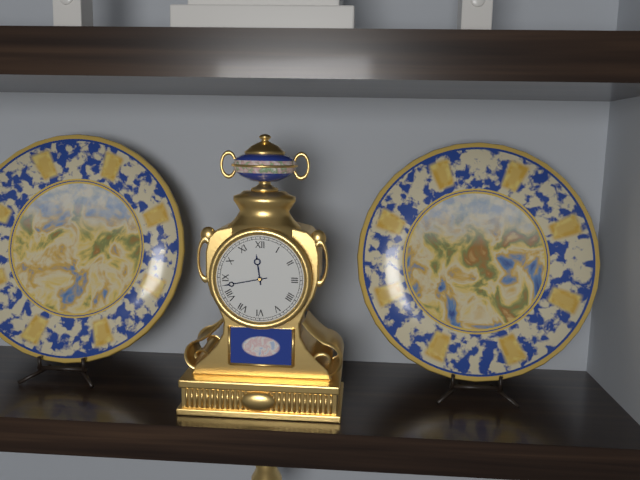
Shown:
11 h 43 min
